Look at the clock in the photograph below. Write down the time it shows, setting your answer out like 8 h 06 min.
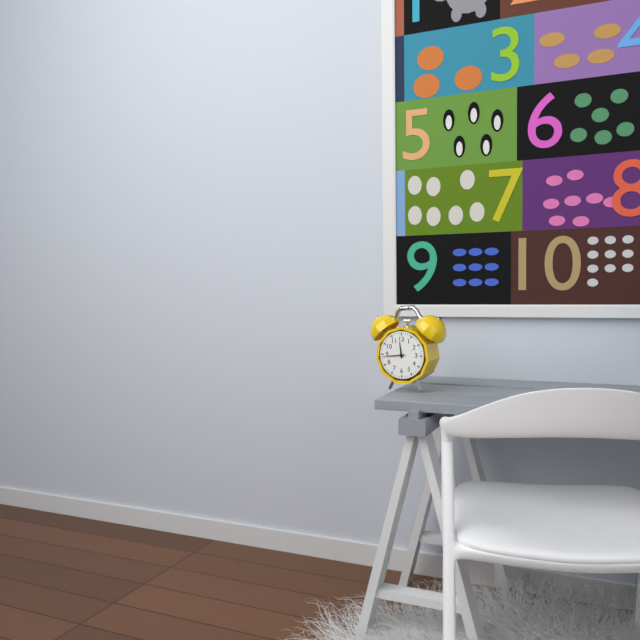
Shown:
11 h 44 min
